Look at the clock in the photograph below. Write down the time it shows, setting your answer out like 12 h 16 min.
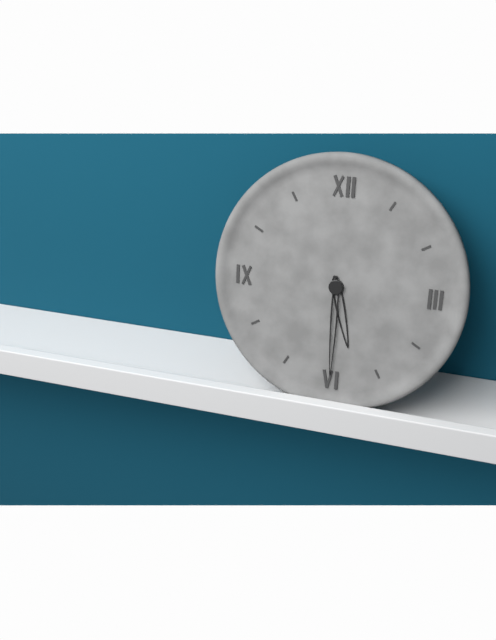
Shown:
5 h 30 min
